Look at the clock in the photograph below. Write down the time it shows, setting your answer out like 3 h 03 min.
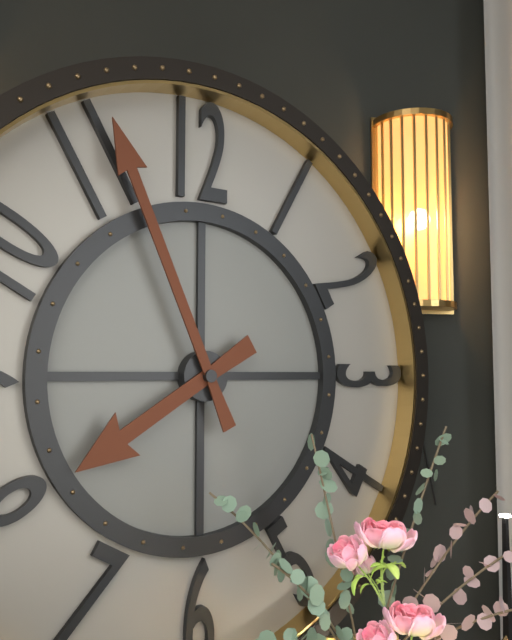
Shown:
7 h 56 min
